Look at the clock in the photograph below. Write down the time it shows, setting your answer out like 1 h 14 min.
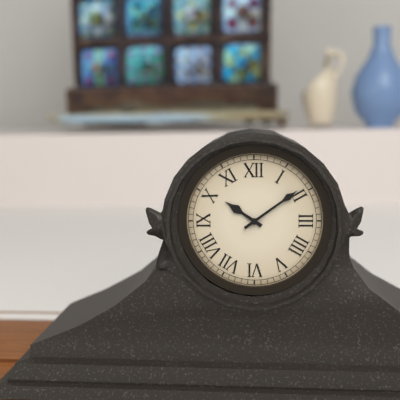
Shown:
10 h 09 min
